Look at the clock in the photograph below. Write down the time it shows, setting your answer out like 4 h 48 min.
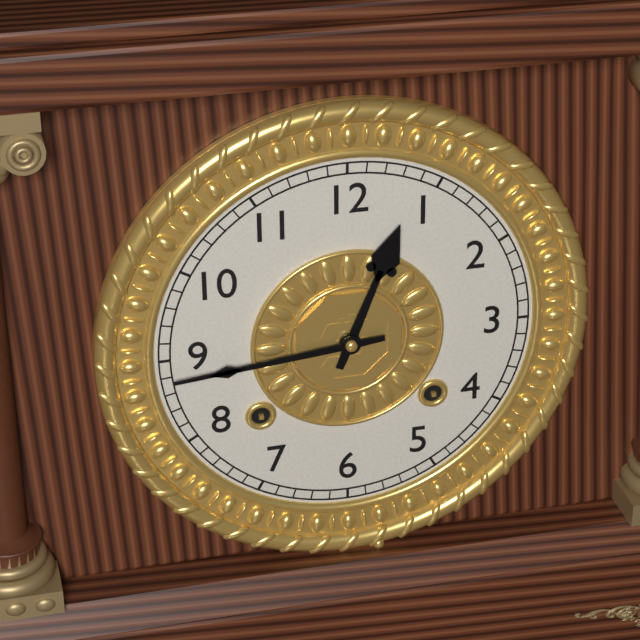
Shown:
12 h 44 min
